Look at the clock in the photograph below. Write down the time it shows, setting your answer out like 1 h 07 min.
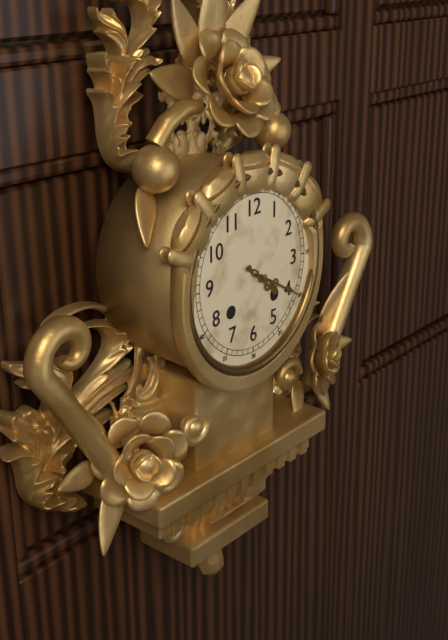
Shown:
4 h 20 min
